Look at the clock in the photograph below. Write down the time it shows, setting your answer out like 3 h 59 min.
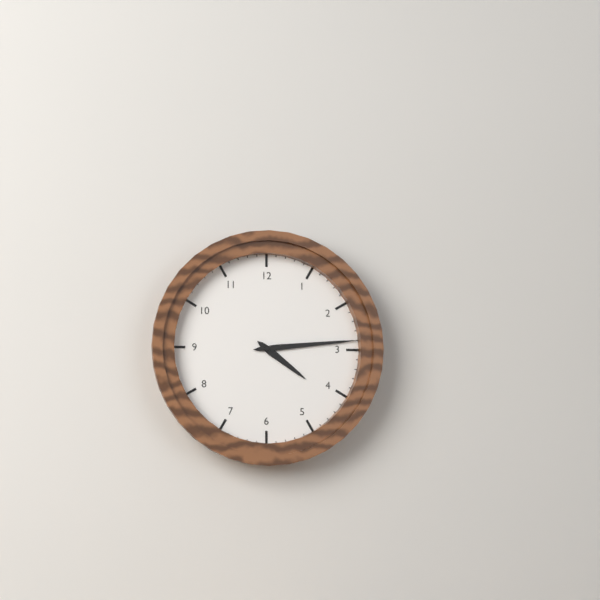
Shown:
4 h 14 min
